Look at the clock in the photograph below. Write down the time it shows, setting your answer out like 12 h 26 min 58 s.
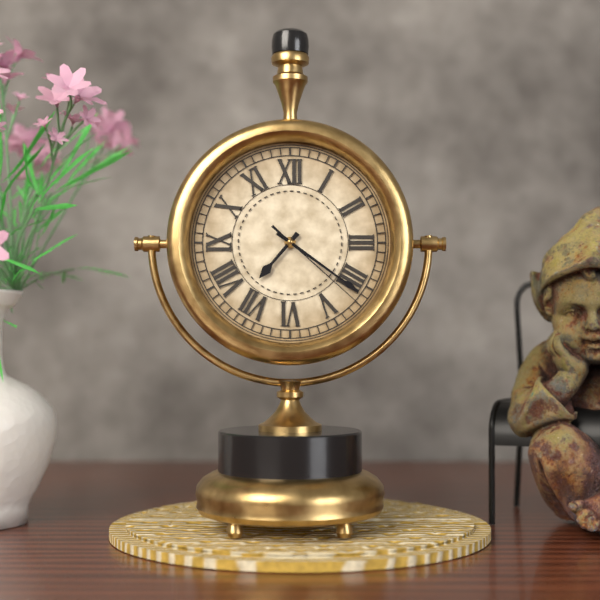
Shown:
7 h 21 min 22 s
